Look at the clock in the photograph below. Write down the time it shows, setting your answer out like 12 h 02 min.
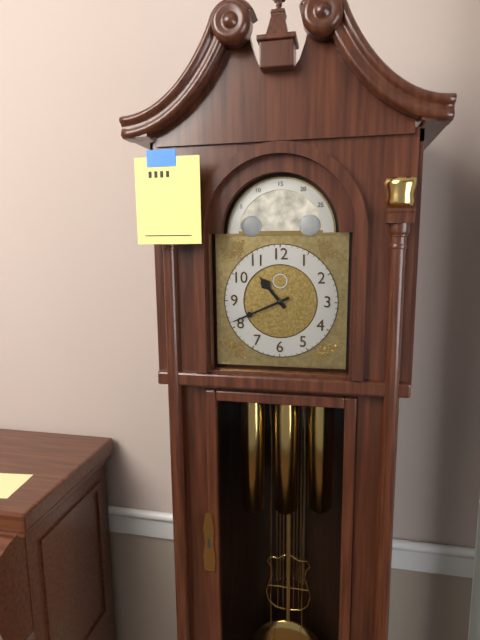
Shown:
10 h 41 min
